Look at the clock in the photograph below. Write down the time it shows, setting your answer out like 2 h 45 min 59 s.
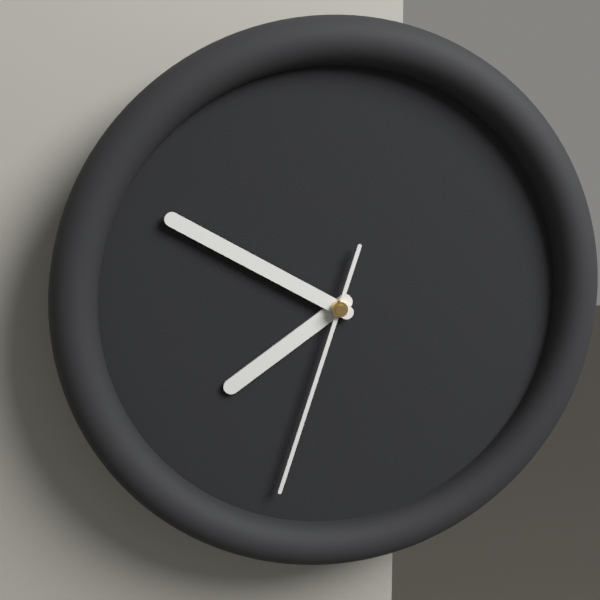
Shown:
7 h 50 min 33 s
